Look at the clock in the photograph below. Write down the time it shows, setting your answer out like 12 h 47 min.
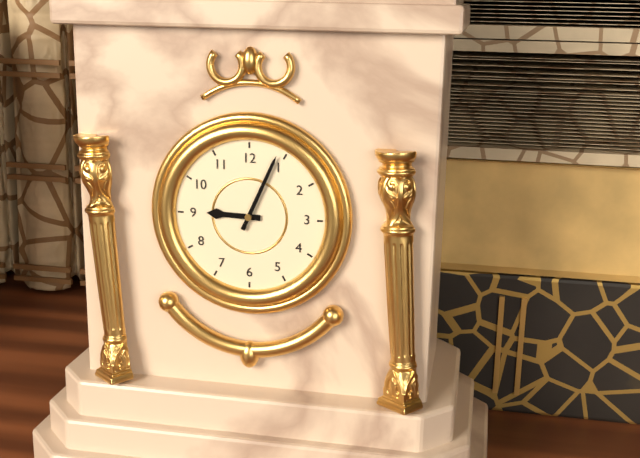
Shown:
9 h 04 min
